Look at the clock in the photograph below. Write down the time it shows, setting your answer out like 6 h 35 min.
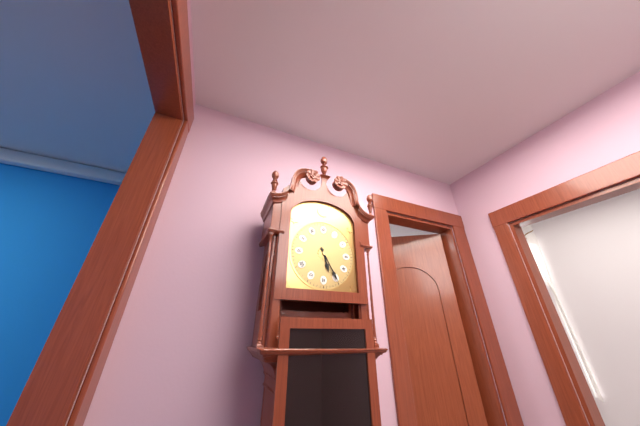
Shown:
5 h 25 min
